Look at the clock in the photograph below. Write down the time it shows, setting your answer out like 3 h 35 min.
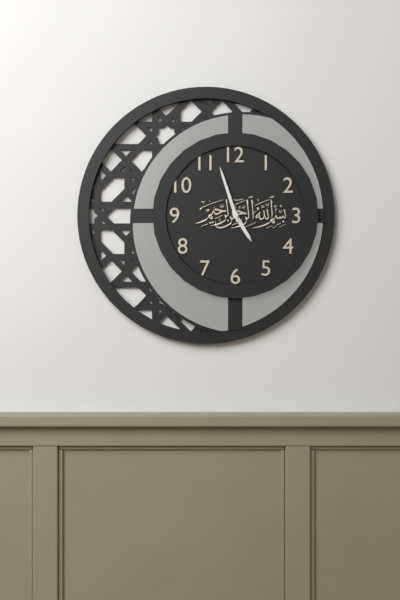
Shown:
4 h 57 min
